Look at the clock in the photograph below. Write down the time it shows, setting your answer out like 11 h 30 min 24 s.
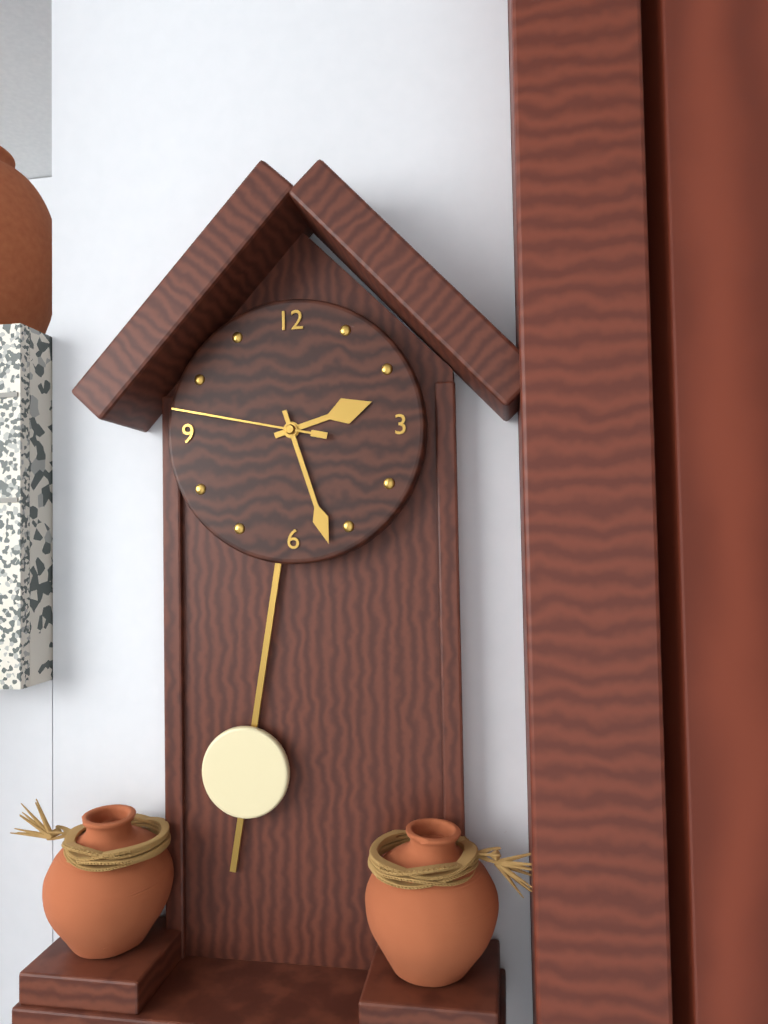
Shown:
2 h 27 min 47 s
